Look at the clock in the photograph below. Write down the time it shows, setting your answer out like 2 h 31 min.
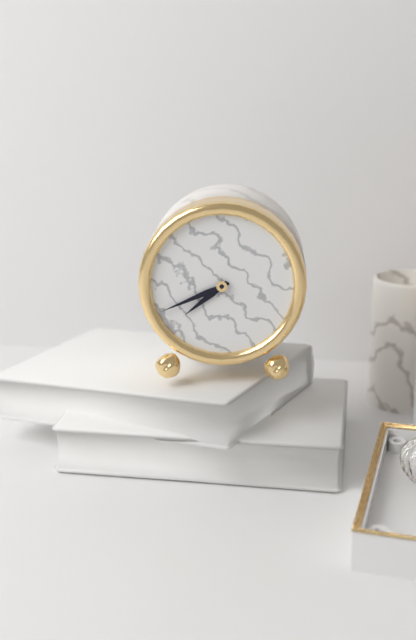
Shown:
7 h 41 min
